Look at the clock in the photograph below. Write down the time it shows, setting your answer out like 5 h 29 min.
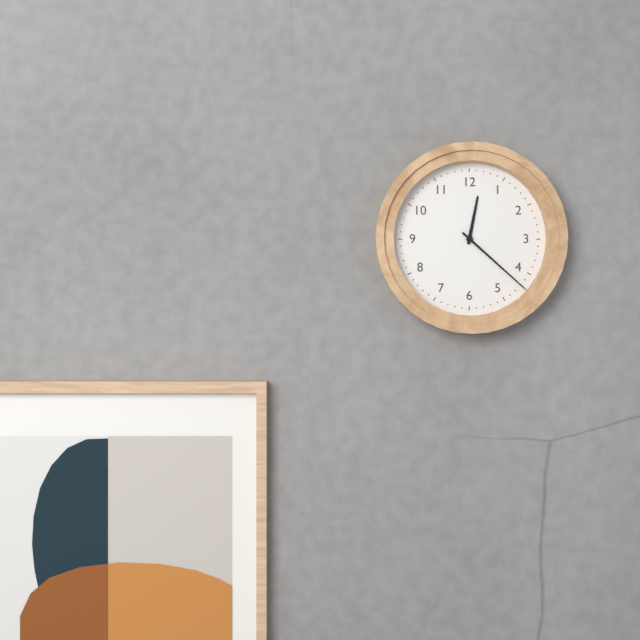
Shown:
12 h 22 min
